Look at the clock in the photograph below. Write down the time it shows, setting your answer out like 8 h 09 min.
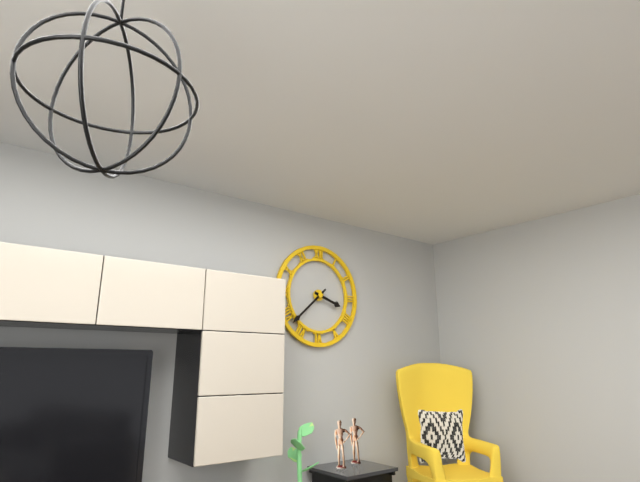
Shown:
3 h 38 min
